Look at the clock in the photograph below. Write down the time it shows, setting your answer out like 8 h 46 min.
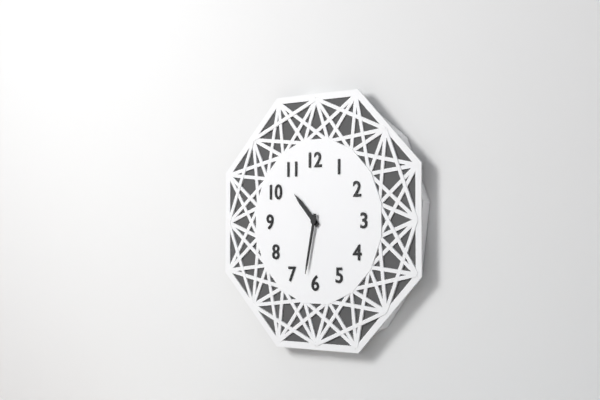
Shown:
10 h 32 min
